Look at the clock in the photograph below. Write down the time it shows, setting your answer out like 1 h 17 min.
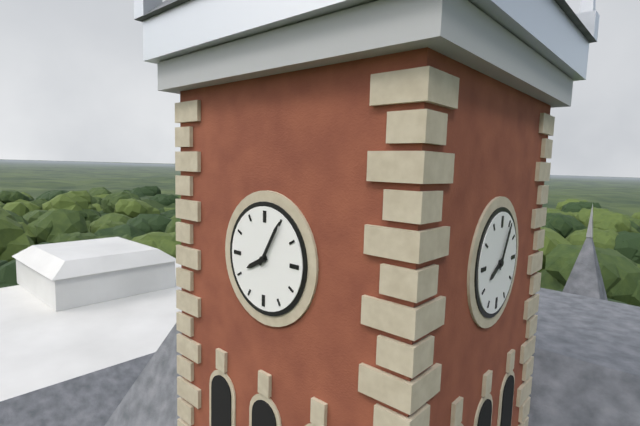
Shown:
8 h 05 min
